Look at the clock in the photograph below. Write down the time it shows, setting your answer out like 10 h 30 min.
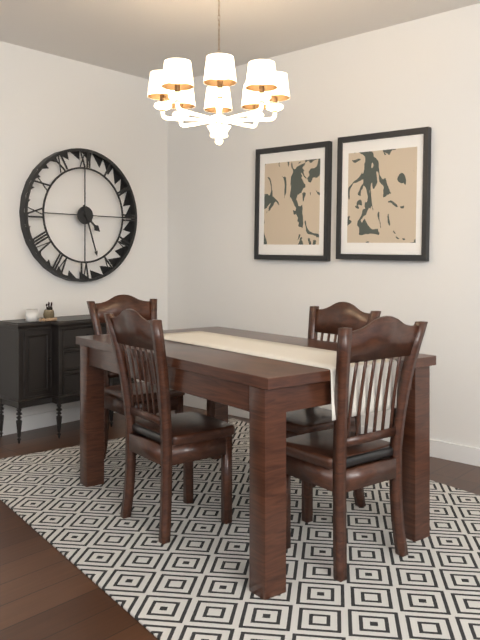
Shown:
4 h 27 min
